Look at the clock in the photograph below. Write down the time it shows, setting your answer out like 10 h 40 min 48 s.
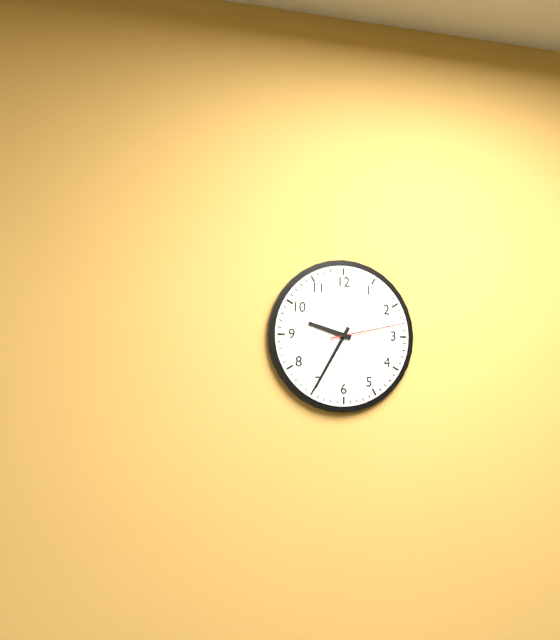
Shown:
9 h 35 min 13 s
